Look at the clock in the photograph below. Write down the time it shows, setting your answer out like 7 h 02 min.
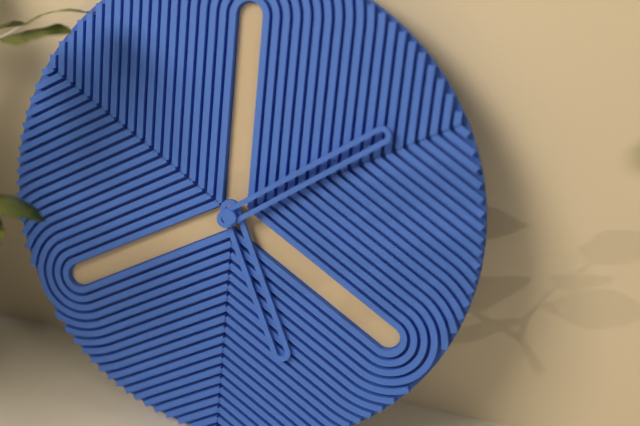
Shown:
5 h 09 min
